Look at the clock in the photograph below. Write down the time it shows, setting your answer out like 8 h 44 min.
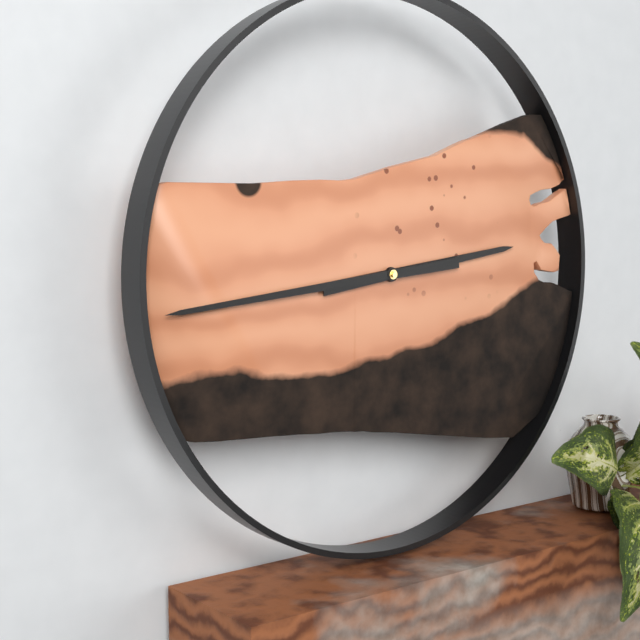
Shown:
2 h 44 min
